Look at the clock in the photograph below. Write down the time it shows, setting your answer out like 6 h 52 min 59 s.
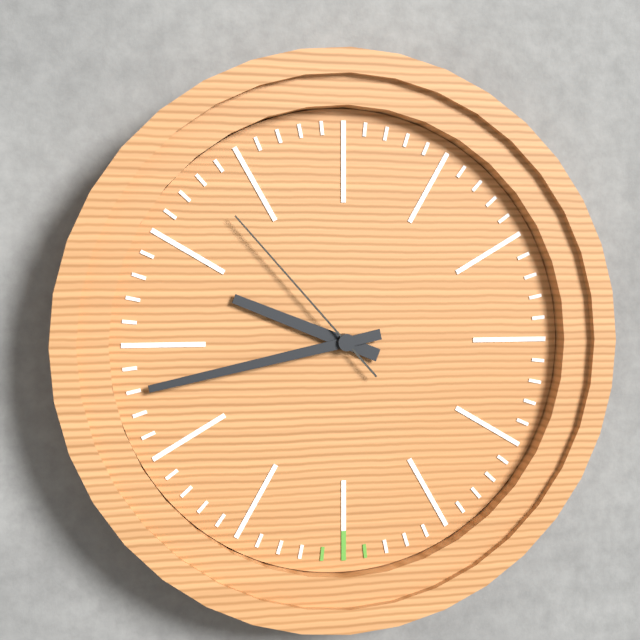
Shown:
9 h 43 min 53 s
